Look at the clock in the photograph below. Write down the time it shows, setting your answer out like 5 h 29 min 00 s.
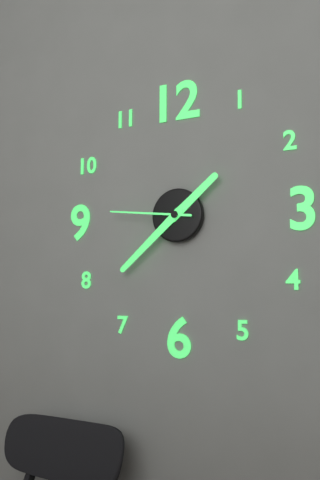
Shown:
1 h 38 min 46 s
